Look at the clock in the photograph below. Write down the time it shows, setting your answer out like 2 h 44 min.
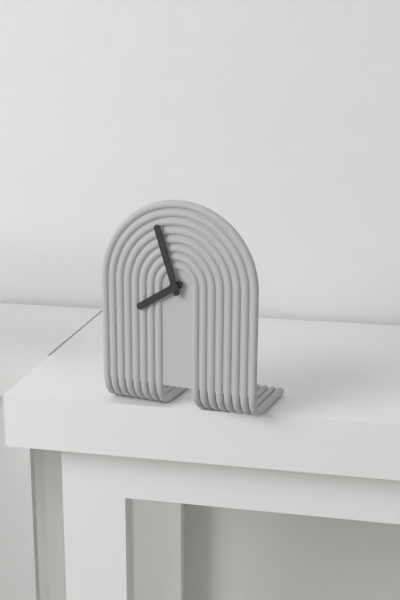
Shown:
7 h 57 min
